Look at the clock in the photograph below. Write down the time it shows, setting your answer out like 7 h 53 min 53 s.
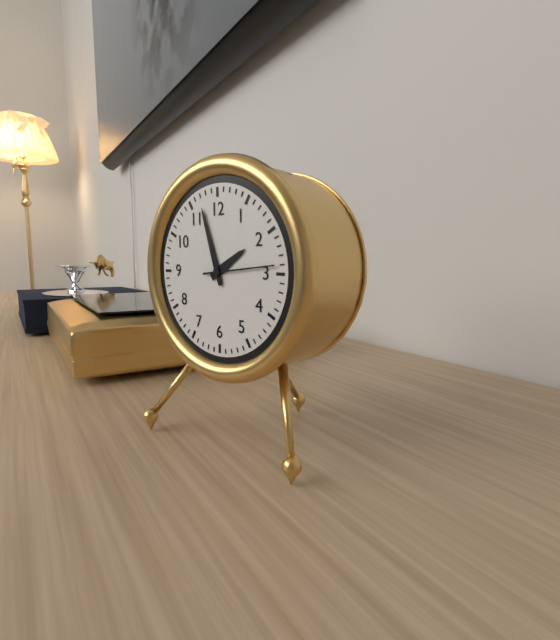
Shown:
1 h 57 min 14 s
